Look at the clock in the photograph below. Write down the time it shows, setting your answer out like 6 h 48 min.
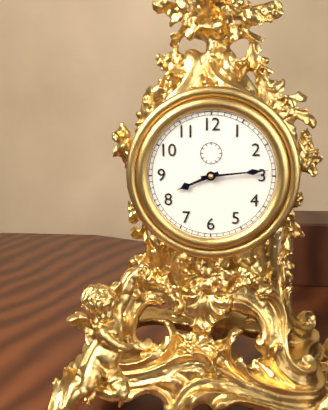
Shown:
8 h 14 min
